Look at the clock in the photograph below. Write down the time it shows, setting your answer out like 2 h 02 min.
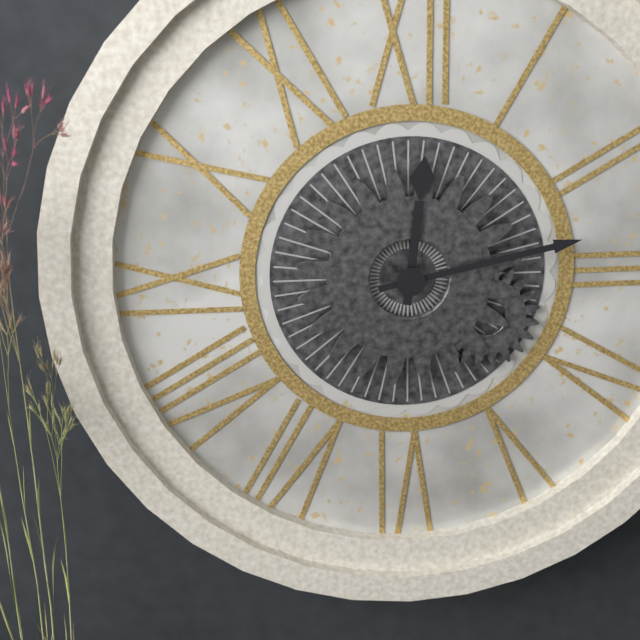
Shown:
12 h 13 min
